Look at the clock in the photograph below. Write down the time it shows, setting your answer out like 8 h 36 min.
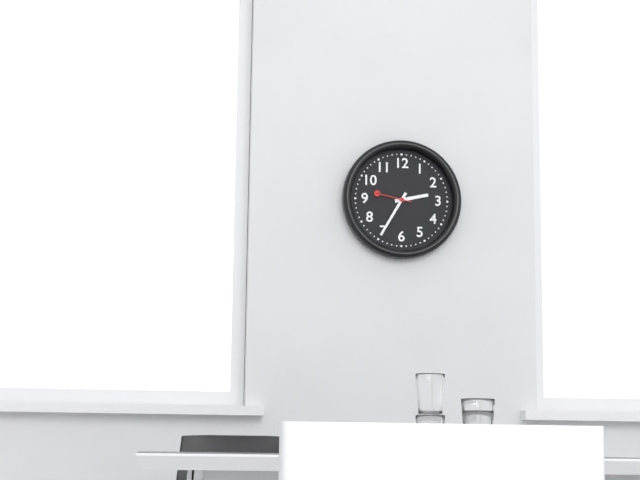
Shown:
2 h 35 min
